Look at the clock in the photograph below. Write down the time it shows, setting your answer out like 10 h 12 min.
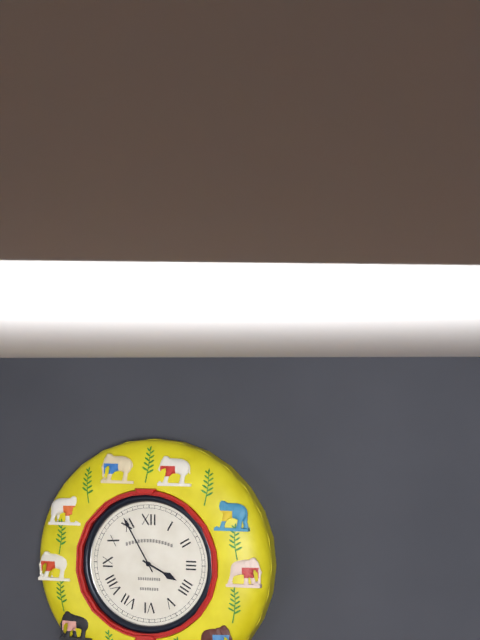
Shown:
3 h 55 min
